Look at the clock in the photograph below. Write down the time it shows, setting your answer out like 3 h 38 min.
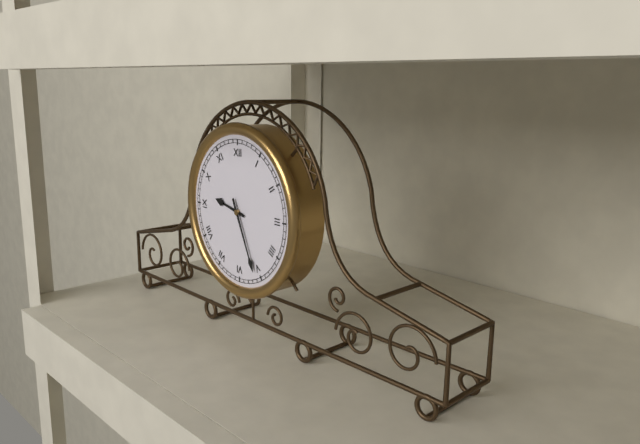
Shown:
9 h 26 min
